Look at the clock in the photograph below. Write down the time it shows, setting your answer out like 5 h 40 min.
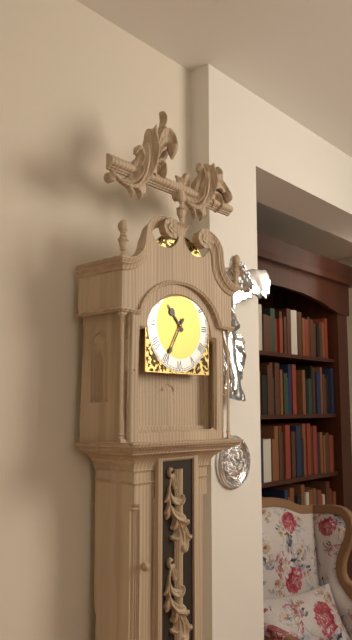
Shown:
10 h 35 min
